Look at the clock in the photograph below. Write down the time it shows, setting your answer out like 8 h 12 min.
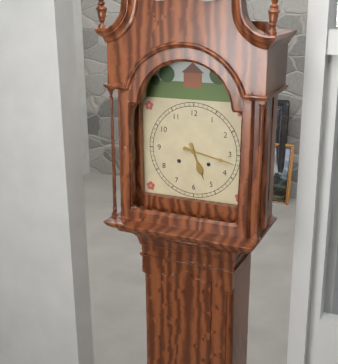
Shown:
5 h 17 min
